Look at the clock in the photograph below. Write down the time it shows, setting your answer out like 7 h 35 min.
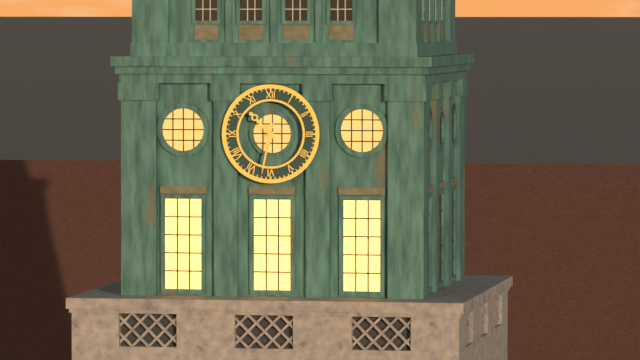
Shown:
10 h 32 min
